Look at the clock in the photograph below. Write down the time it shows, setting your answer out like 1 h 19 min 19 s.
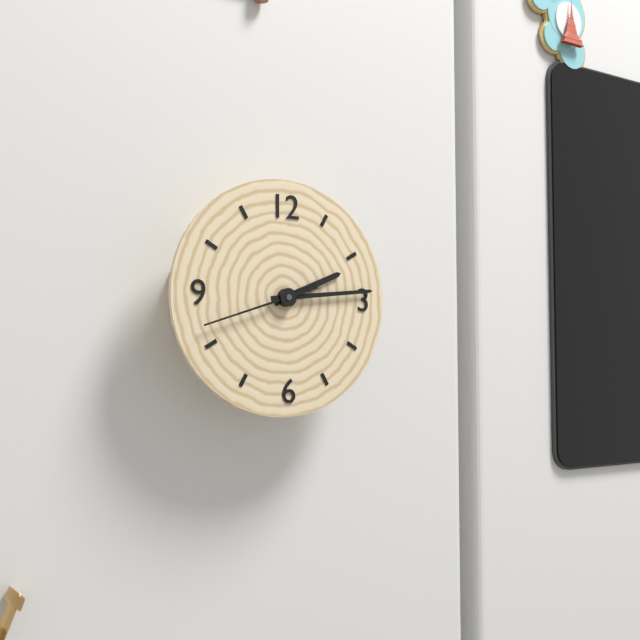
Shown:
2 h 14 min 42 s
